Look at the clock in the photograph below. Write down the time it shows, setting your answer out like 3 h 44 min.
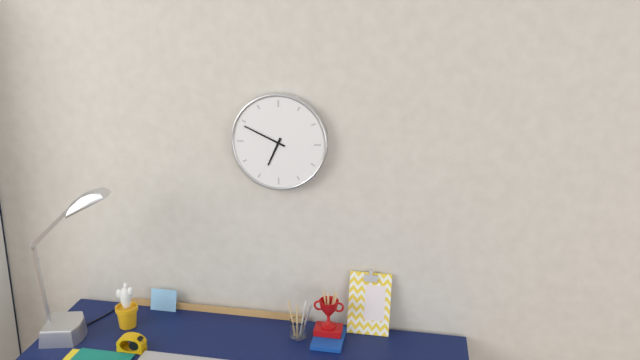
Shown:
6 h 49 min
